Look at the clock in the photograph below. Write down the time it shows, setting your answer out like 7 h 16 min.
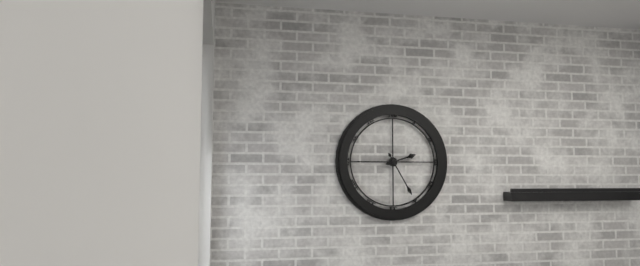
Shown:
2 h 25 min
